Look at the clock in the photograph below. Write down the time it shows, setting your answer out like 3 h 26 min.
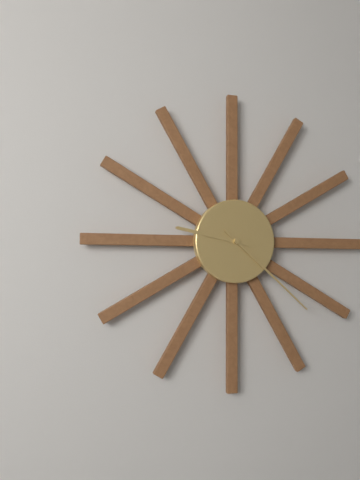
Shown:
9 h 22 min
